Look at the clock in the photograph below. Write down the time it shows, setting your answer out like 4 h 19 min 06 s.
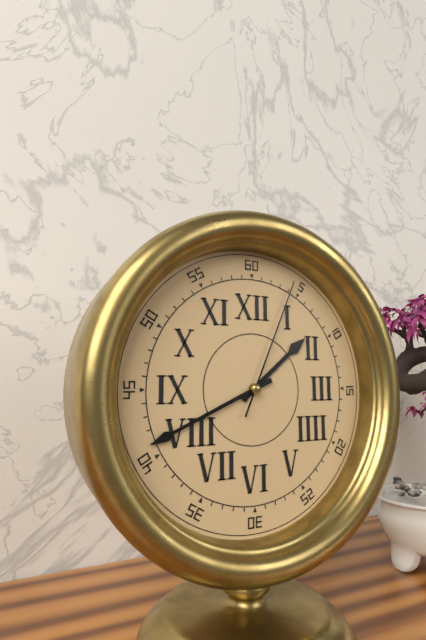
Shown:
1 h 41 min 04 s
